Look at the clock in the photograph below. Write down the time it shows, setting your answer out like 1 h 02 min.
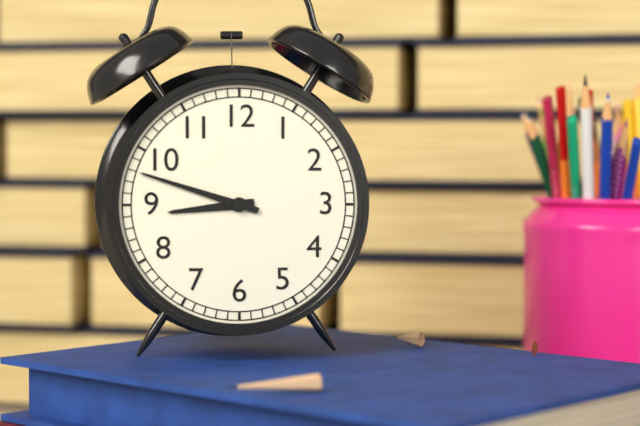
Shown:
8 h 48 min
